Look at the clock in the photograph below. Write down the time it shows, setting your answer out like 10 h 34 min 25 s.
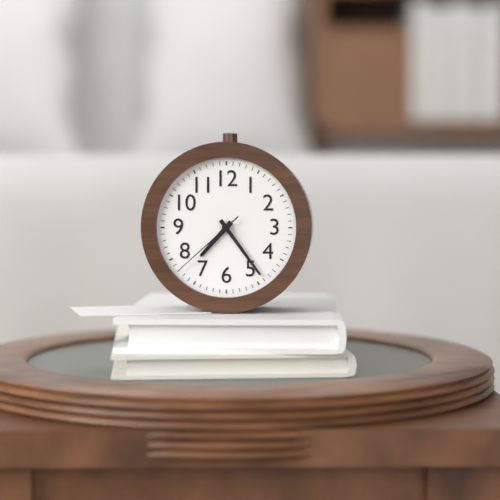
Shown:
7 h 24 min 38 s
